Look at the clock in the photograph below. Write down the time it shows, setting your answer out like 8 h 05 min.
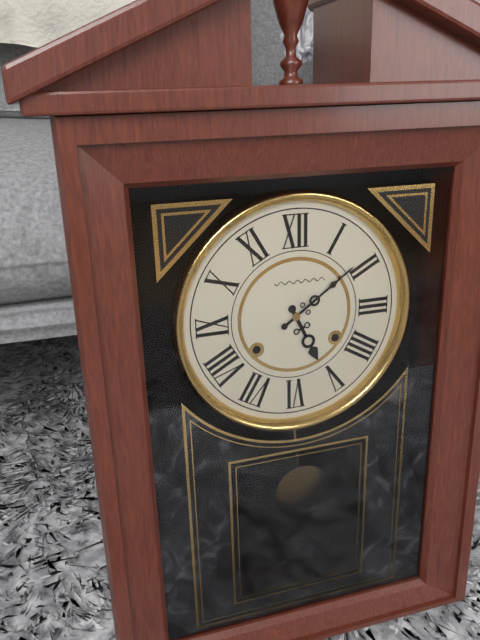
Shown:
5 h 09 min
